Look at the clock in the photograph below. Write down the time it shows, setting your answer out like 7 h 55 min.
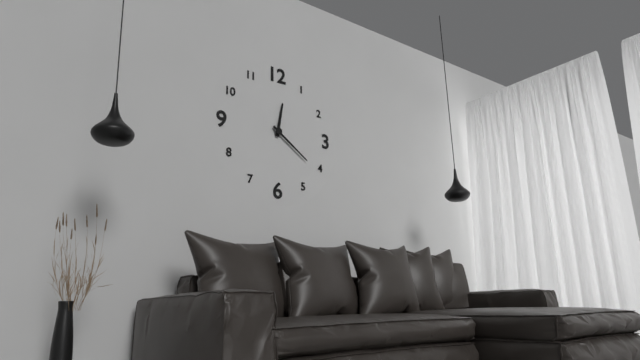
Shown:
12 h 21 min
